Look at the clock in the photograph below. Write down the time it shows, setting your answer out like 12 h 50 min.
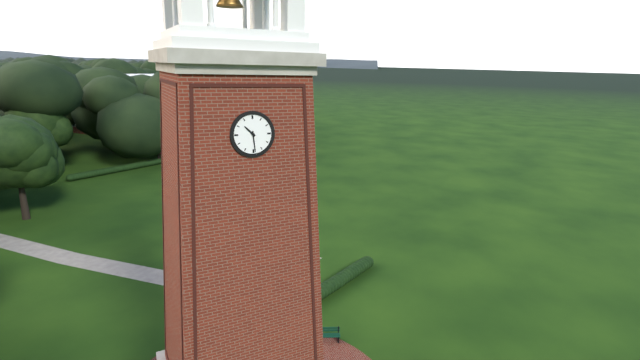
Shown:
10 h 29 min
